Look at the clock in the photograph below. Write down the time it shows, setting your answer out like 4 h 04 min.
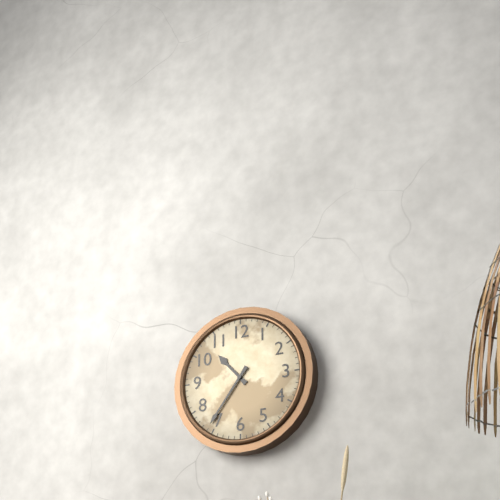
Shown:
10 h 36 min
